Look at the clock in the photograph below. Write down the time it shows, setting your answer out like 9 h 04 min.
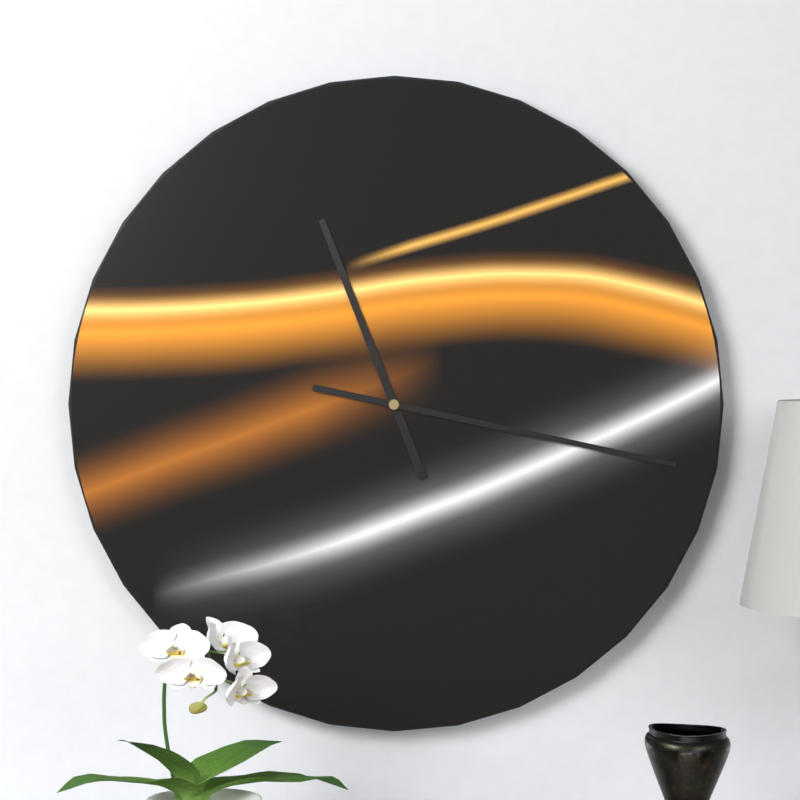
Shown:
11 h 17 min
